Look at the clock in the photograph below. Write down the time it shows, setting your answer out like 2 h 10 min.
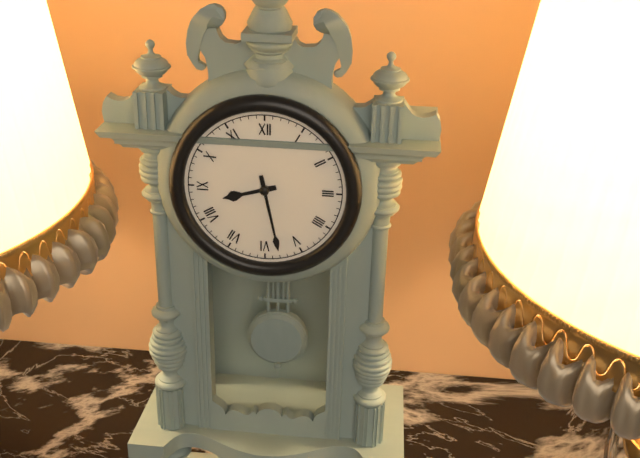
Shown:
8 h 28 min
